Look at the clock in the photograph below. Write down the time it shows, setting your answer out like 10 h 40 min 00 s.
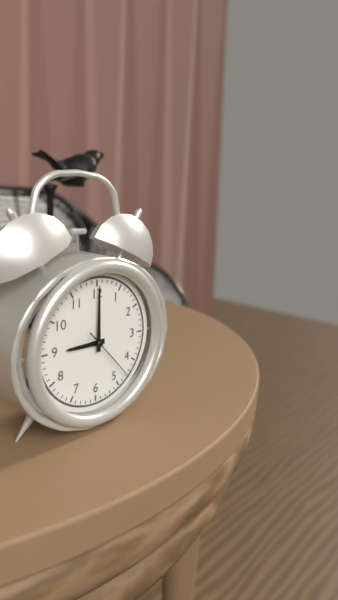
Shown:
9 h 00 min 23 s
